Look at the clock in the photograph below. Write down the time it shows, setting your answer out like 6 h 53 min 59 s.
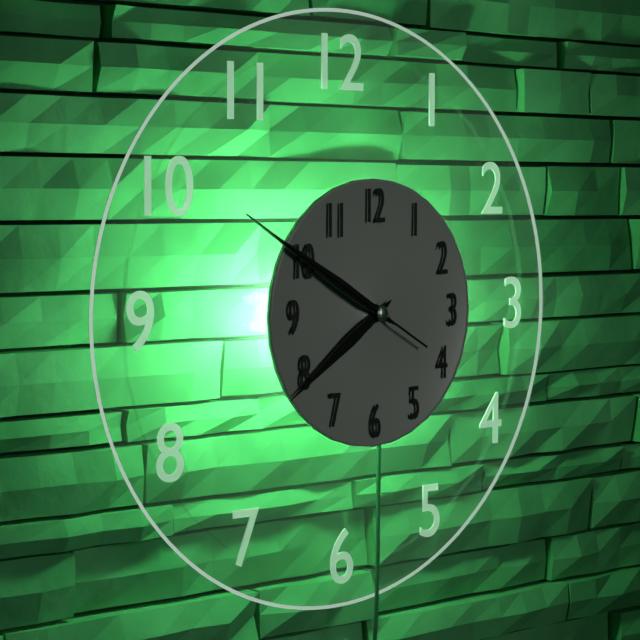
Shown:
7 h 50 min 50 s
